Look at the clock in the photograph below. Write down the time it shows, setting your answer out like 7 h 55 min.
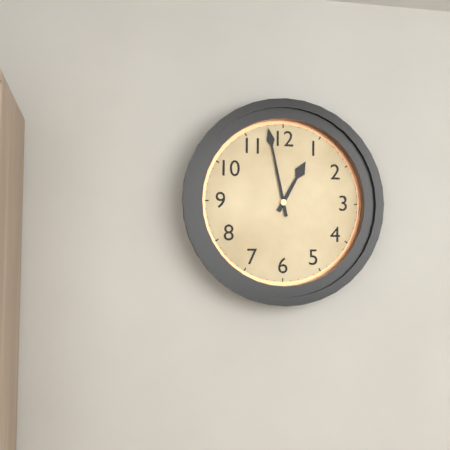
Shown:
12 h 58 min
